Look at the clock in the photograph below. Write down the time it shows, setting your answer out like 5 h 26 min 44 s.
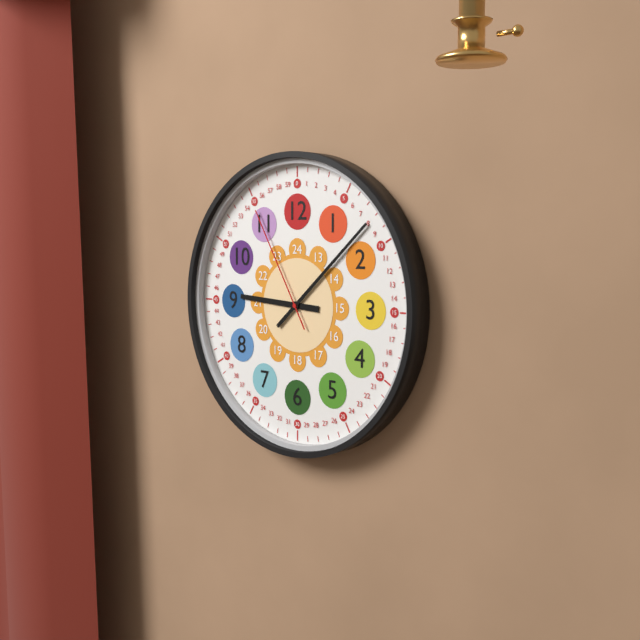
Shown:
9 h 08 min 55 s
